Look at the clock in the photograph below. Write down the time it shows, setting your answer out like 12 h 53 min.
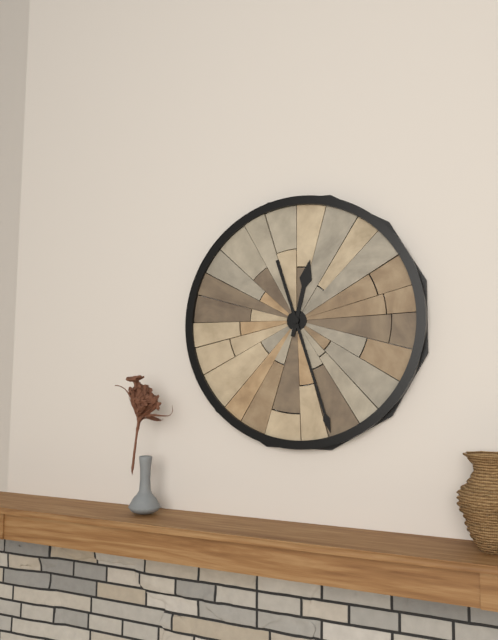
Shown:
12 h 27 min
